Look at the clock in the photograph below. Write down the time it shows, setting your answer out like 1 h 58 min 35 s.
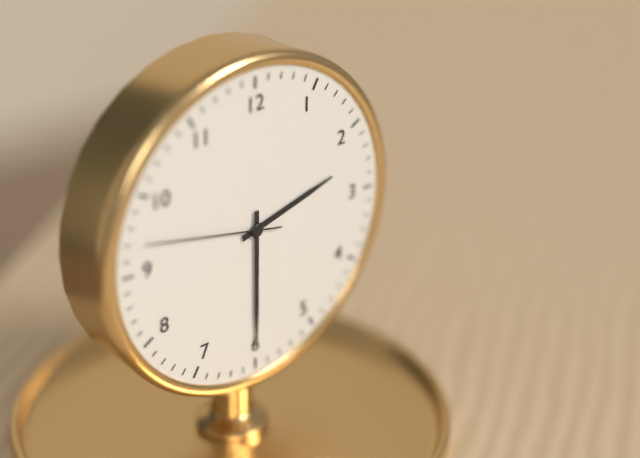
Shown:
2 h 30 min 47 s
